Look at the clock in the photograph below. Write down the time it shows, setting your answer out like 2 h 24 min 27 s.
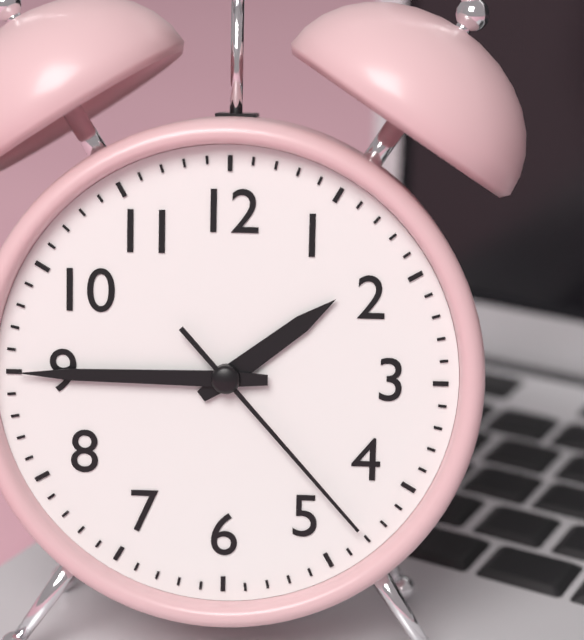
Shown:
1 h 45 min 23 s
